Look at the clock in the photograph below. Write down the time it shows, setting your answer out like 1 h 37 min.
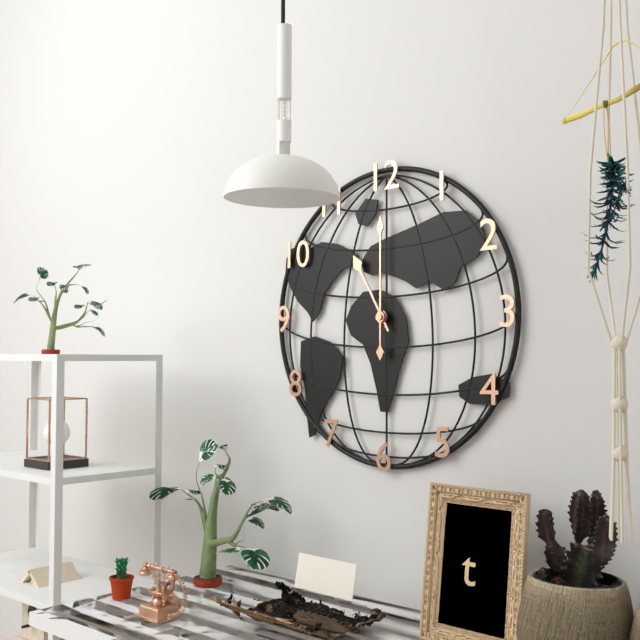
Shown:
11 h 00 min
